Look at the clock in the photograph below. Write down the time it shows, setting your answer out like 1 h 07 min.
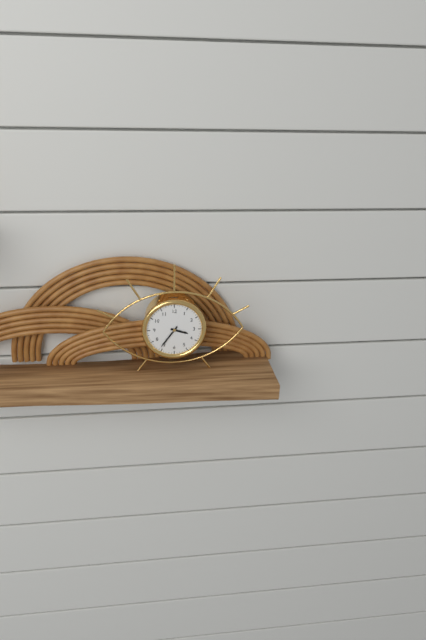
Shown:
3 h 36 min
